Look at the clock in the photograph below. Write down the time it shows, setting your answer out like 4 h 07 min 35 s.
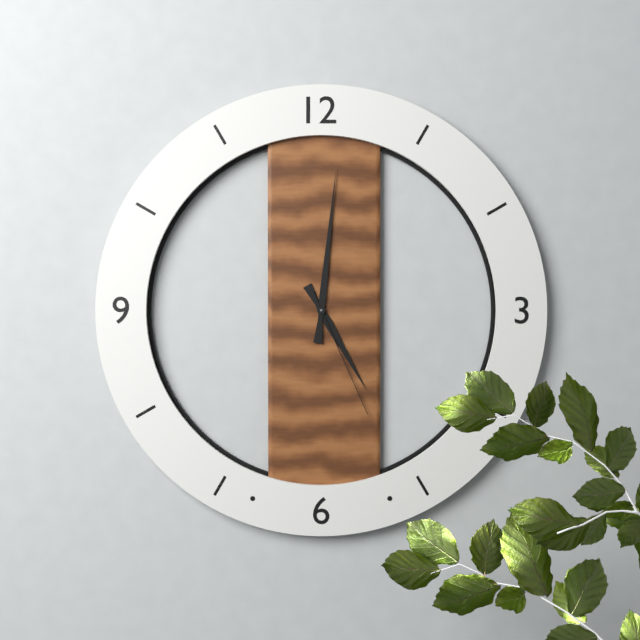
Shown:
5 h 01 min 26 s
